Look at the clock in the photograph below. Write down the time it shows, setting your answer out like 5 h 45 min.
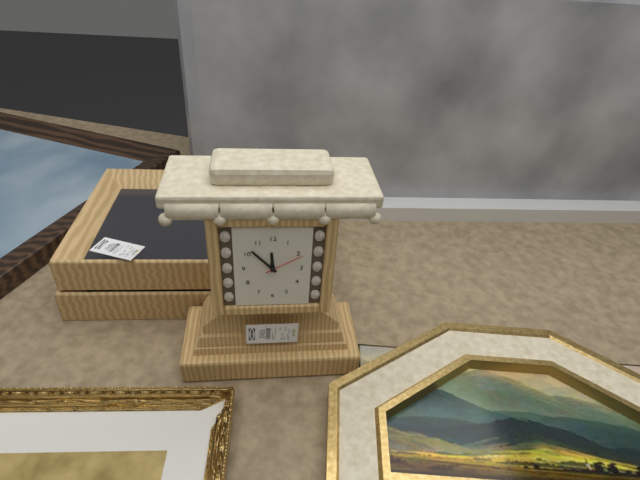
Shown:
11 h 53 min
